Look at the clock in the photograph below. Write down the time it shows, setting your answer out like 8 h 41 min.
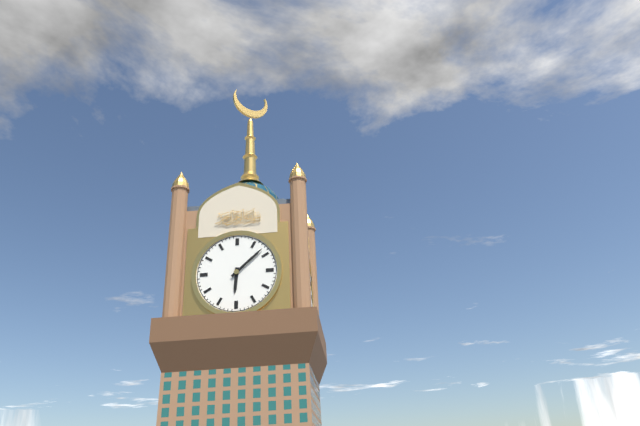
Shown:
6 h 08 min
